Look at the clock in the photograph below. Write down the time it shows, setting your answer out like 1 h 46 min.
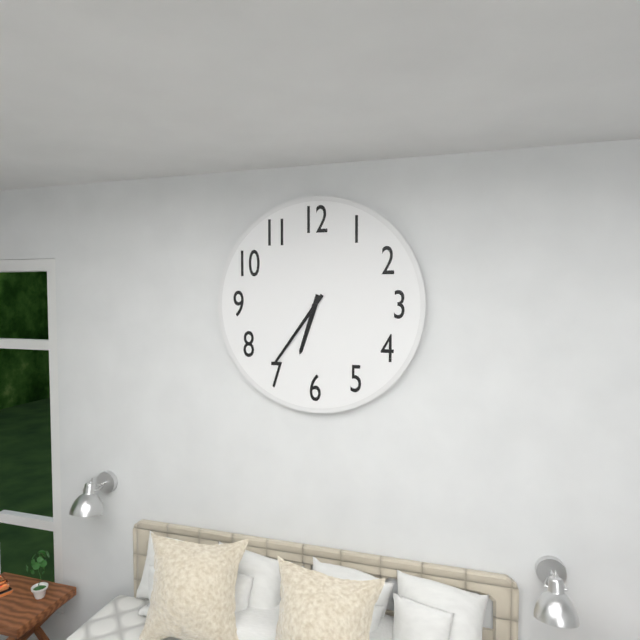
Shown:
6 h 36 min
